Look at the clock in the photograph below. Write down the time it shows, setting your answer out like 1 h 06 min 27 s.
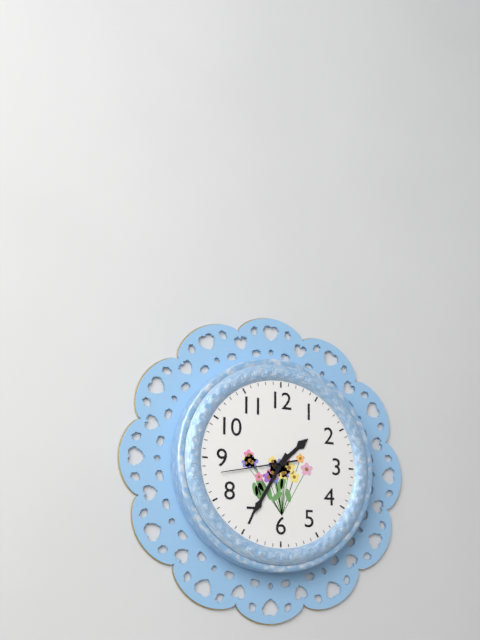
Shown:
1 h 35 min 43 s
